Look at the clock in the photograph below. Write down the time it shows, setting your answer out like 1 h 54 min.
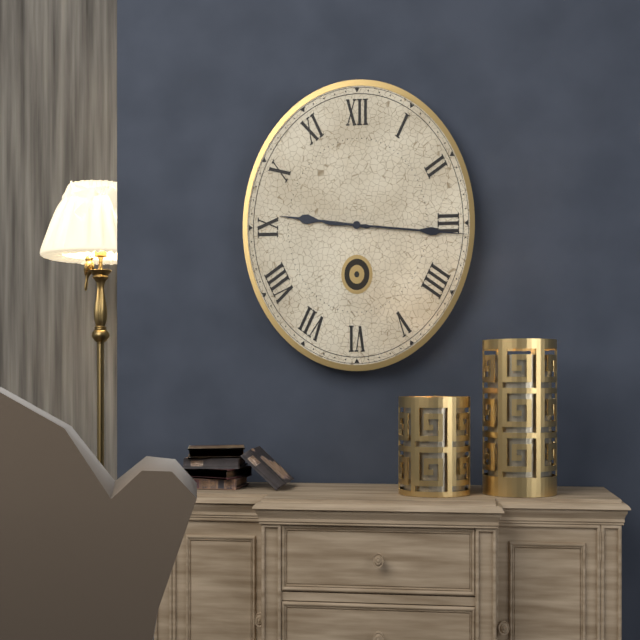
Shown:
9 h 16 min
